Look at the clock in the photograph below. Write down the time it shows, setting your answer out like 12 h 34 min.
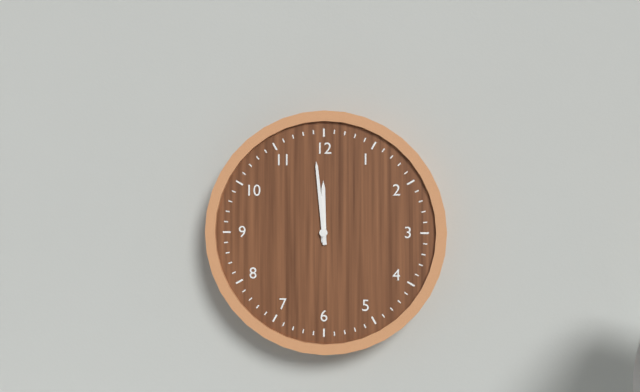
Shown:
11 h 59 min
